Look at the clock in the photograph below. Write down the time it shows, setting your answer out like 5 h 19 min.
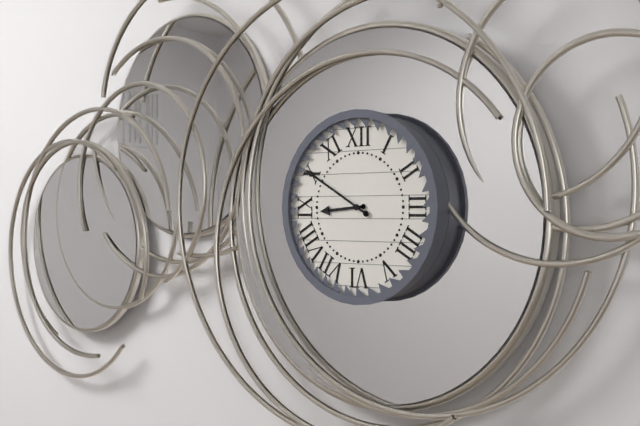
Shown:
8 h 50 min
